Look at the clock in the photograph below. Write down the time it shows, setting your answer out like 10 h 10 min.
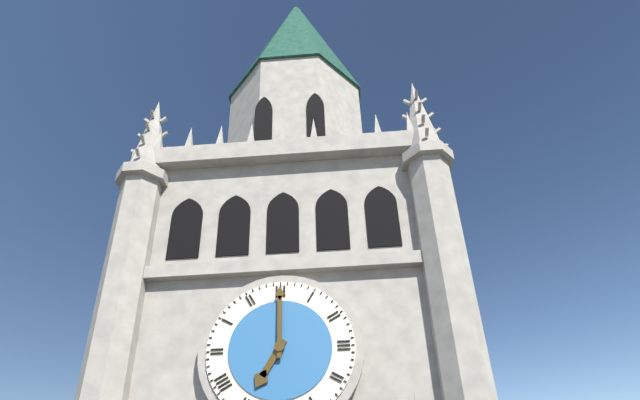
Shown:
7 h 00 min
